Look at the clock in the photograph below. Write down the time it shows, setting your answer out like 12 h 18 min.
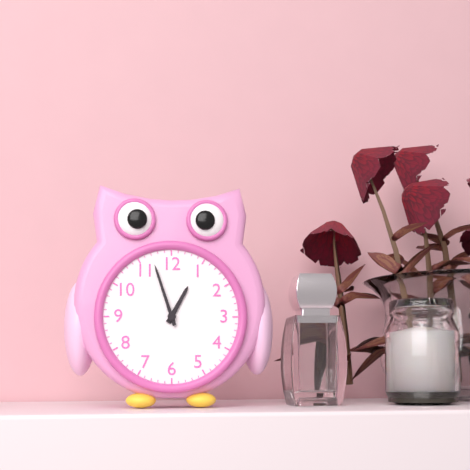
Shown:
12 h 57 min
